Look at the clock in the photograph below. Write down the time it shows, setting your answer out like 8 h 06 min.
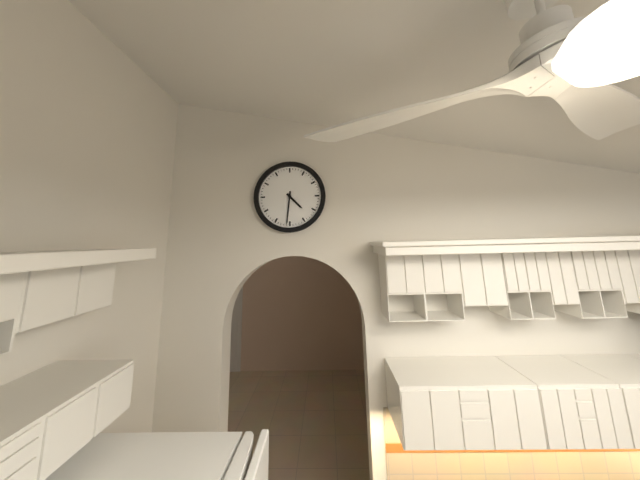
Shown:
4 h 31 min
